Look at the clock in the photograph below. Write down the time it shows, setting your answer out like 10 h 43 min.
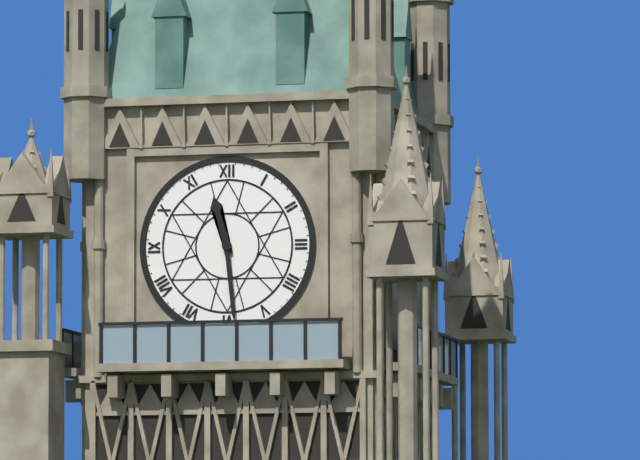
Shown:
11 h 29 min
